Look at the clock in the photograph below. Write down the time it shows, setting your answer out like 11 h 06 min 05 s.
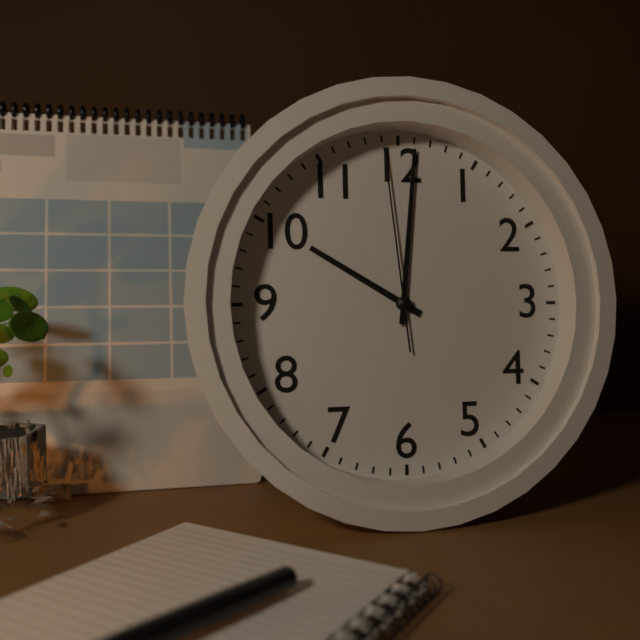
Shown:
10 h 01 min 59 s
